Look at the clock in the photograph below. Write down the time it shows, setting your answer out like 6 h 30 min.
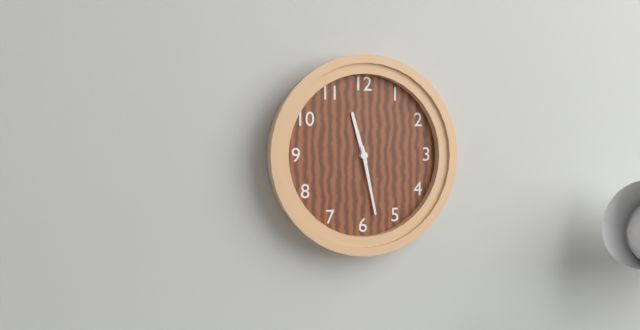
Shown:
11 h 28 min
